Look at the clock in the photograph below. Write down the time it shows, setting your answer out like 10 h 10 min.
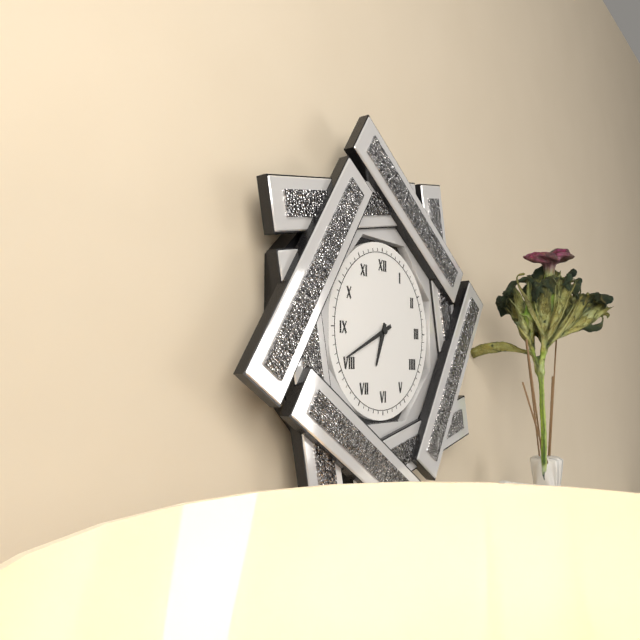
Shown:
6 h 41 min
